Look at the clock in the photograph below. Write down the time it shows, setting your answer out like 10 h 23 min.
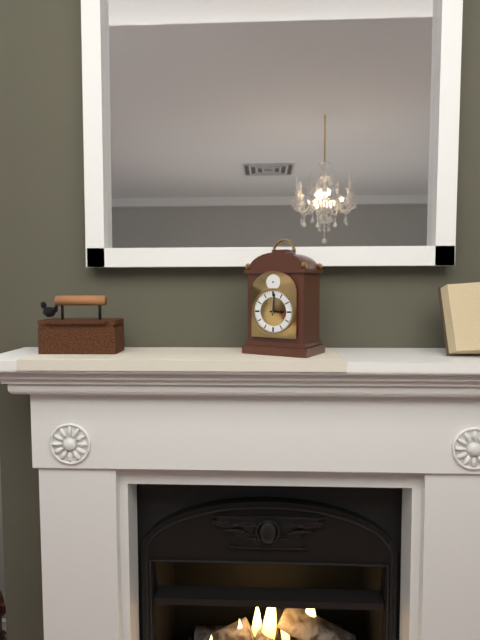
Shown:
3 h 01 min
